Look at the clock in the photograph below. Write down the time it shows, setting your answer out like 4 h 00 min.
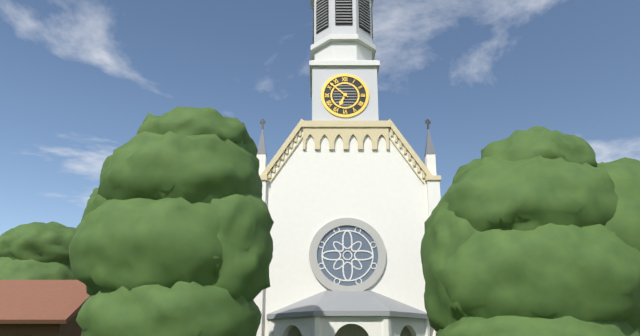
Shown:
6 h 52 min
